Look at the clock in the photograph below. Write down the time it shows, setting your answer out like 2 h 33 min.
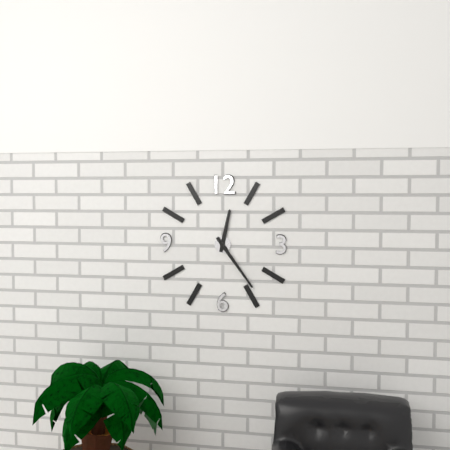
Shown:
12 h 24 min
